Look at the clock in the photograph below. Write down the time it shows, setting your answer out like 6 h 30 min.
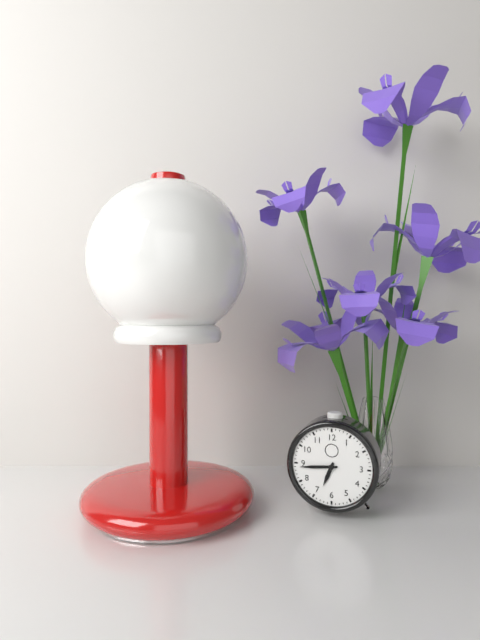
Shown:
6 h 44 min
